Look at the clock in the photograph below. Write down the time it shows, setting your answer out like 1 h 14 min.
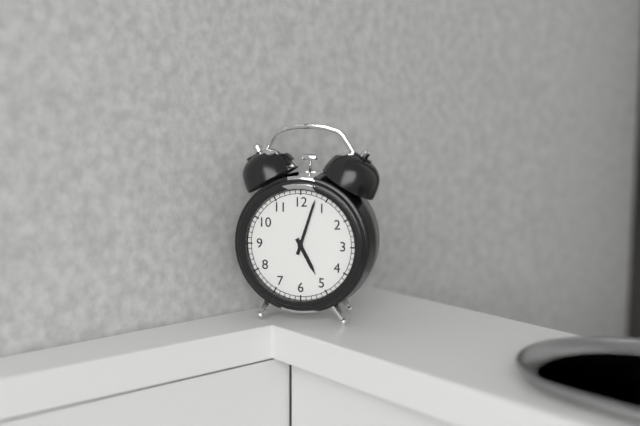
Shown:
5 h 03 min
